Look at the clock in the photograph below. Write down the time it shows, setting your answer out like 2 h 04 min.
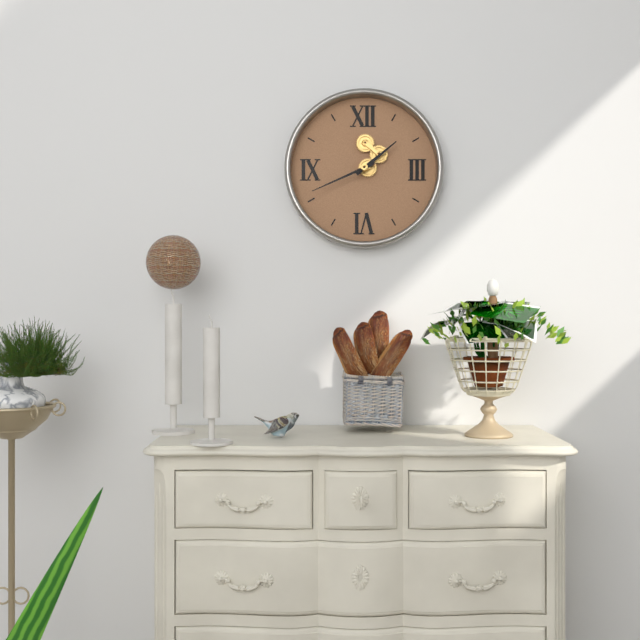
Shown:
1 h 41 min
